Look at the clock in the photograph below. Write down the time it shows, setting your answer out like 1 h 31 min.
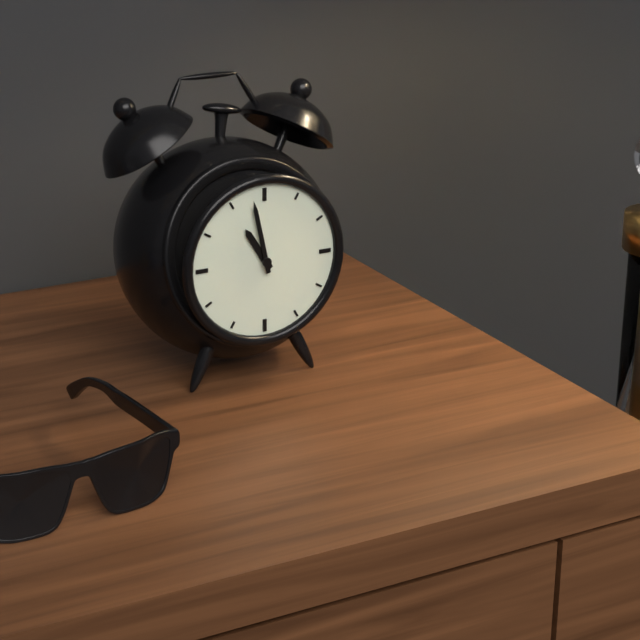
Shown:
10 h 58 min
